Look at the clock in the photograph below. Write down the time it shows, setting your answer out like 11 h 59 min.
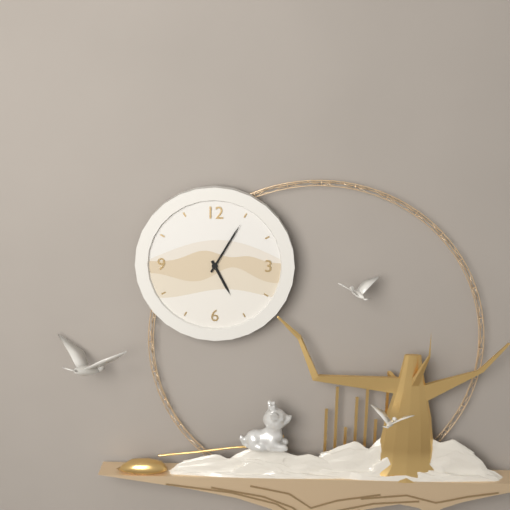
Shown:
5 h 05 min
